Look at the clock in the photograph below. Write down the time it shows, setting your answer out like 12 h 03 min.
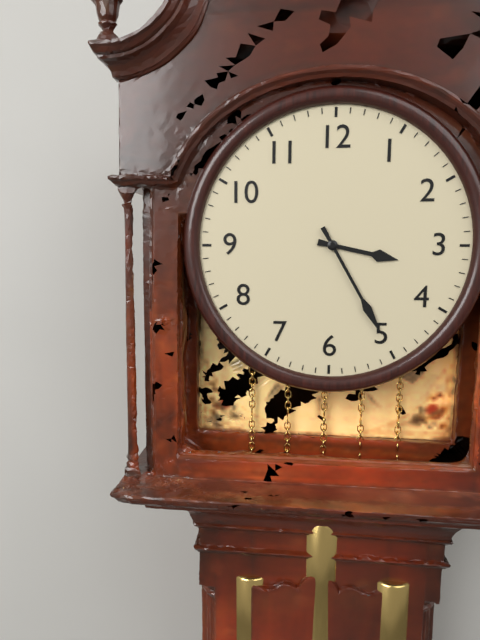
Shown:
3 h 25 min
